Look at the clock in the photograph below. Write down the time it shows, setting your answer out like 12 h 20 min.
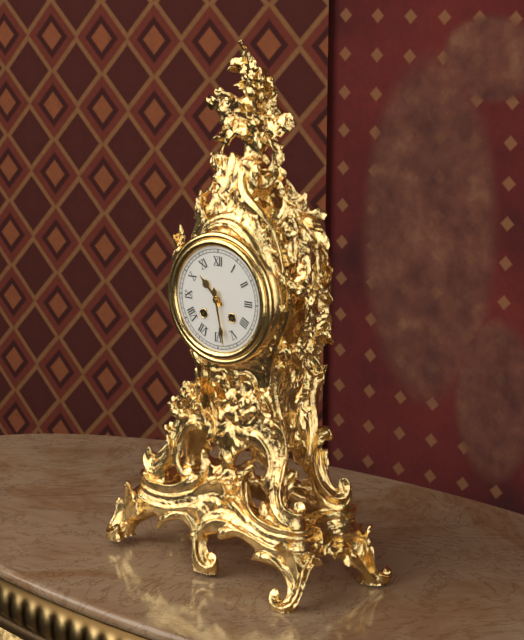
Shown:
10 h 28 min
